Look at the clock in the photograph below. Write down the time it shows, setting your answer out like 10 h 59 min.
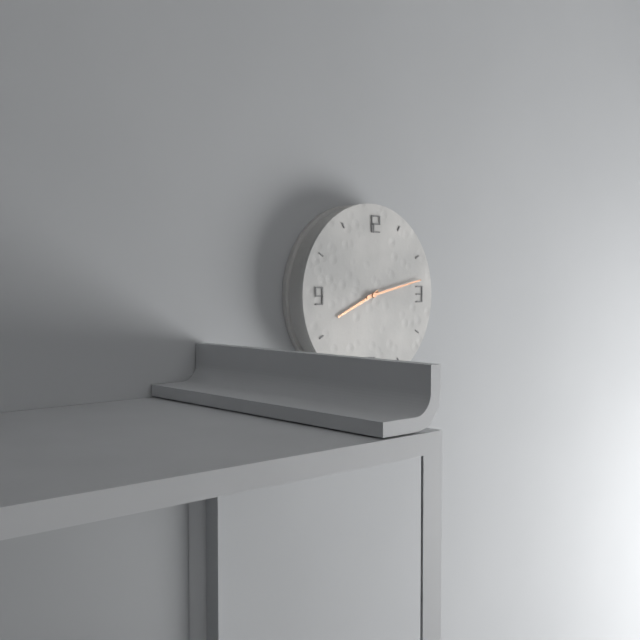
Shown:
8 h 13 min
